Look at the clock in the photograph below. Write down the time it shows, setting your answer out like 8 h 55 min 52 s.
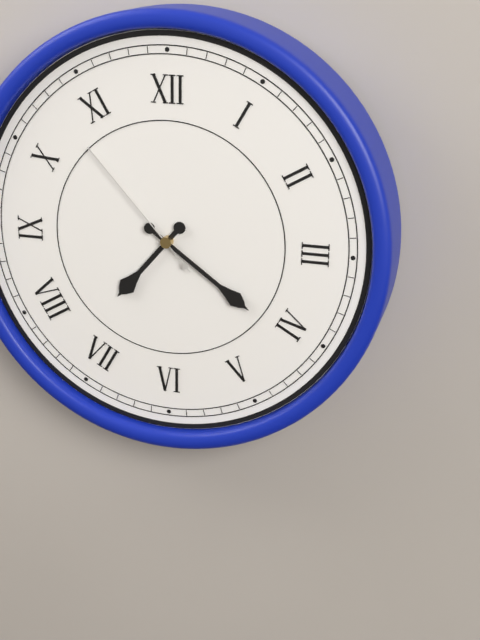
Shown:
7 h 21 min 53 s
